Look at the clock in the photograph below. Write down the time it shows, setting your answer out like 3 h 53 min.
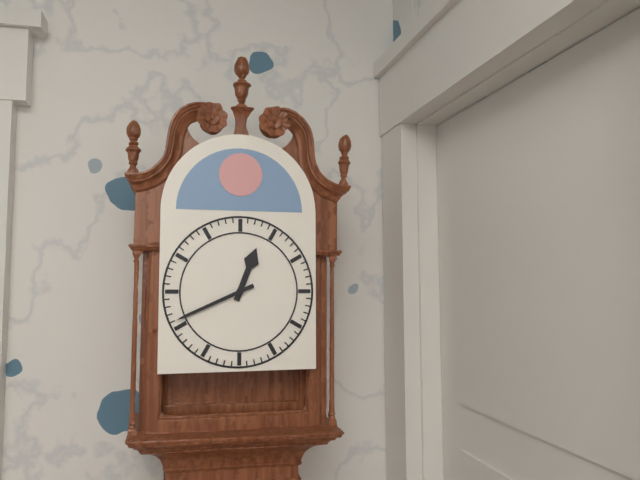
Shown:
12 h 41 min
